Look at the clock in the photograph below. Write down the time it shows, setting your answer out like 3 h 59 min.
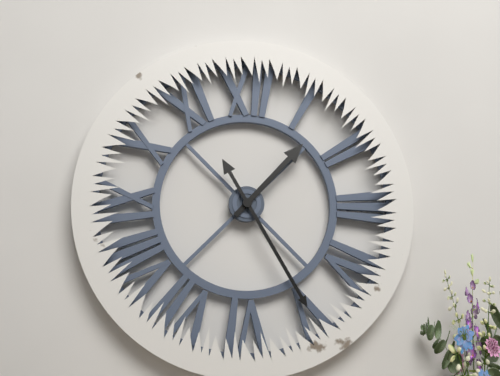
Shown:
1 h 25 min
